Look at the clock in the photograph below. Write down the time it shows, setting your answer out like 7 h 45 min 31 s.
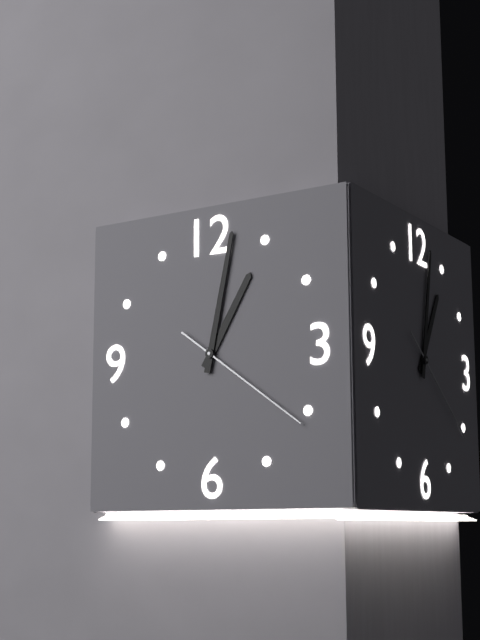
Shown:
1 h 02 min 21 s
